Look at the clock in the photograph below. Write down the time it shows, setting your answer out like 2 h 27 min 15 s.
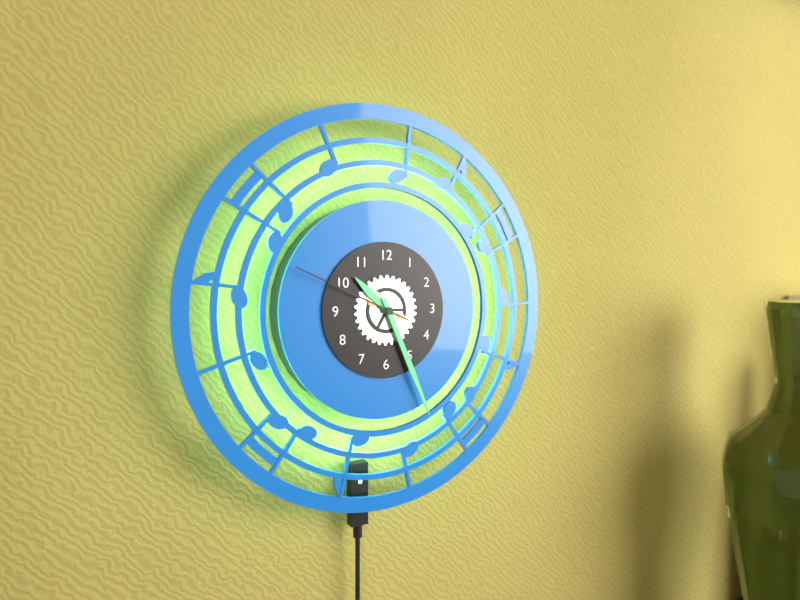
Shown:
10 h 26 min 49 s
